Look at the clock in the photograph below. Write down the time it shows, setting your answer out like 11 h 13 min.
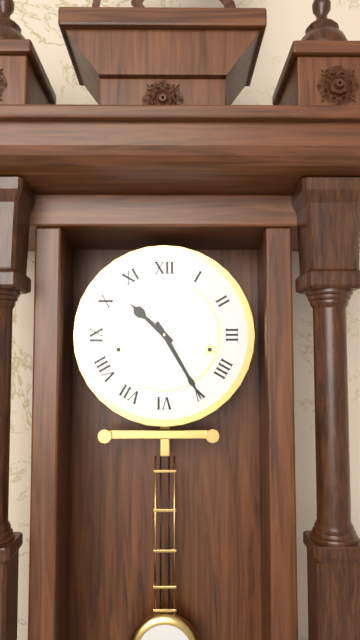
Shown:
10 h 25 min
